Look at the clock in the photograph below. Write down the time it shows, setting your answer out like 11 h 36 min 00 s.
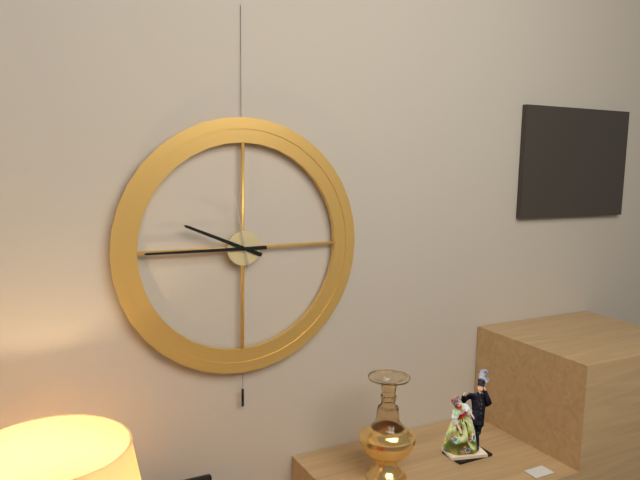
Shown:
9 h 45 min 58 s
